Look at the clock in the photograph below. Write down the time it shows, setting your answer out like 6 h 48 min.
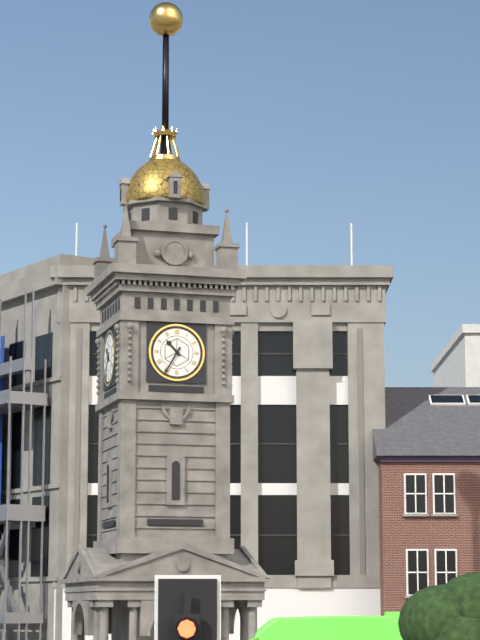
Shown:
10 h 35 min
